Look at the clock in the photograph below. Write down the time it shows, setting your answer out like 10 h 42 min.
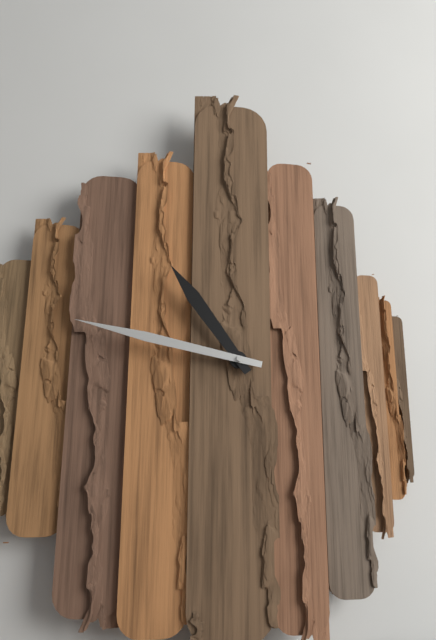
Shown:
10 h 47 min
